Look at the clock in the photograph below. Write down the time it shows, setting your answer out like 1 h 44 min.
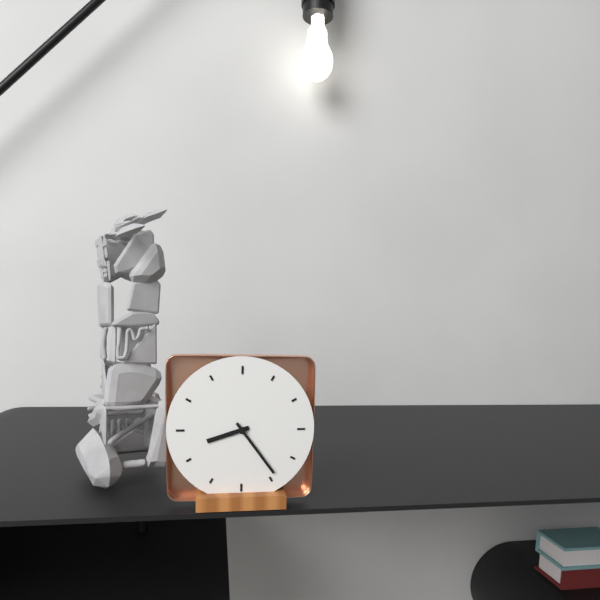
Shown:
8 h 24 min
